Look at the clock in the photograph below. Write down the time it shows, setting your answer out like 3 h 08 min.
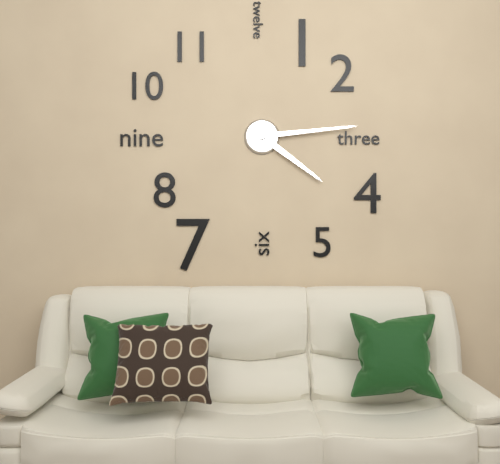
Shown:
4 h 14 min
